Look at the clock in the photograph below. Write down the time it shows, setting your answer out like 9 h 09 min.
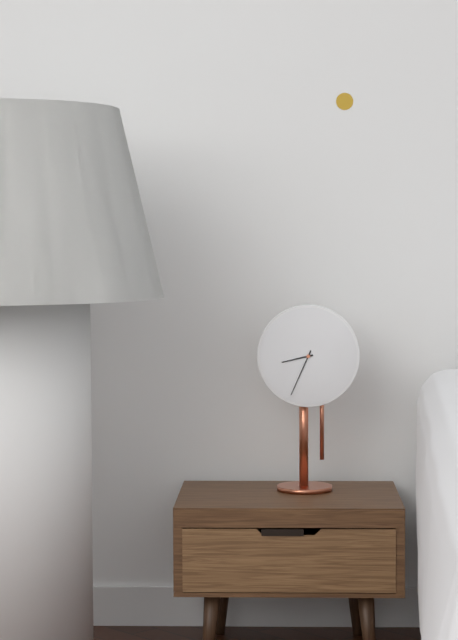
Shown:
8 h 34 min
